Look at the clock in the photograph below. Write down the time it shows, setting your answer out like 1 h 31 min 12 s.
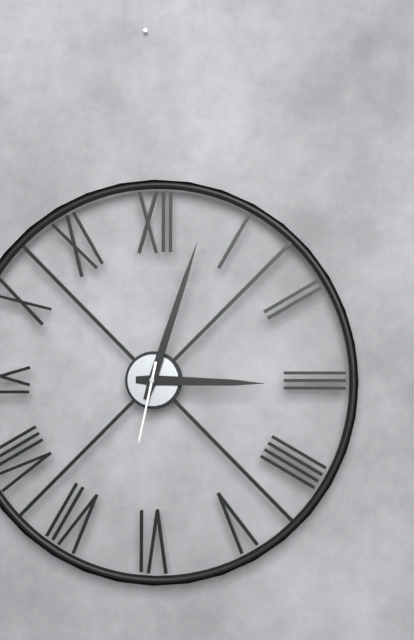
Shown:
3 h 03 min 32 s
